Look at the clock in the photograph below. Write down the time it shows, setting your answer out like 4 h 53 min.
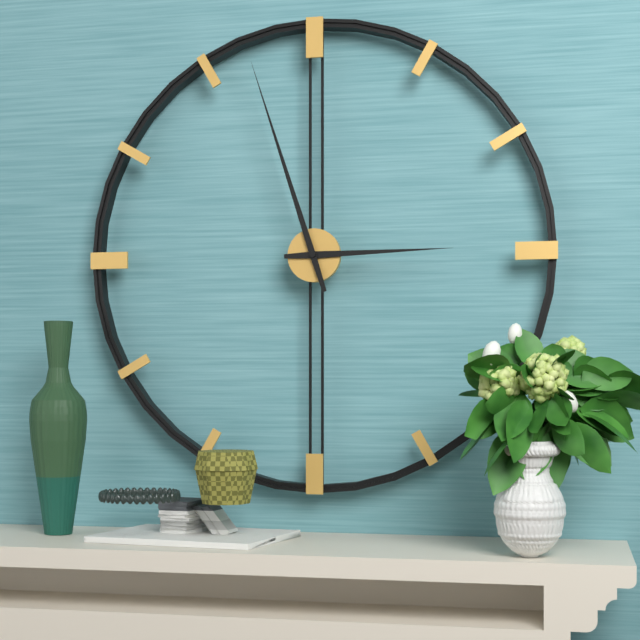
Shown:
2 h 57 min
